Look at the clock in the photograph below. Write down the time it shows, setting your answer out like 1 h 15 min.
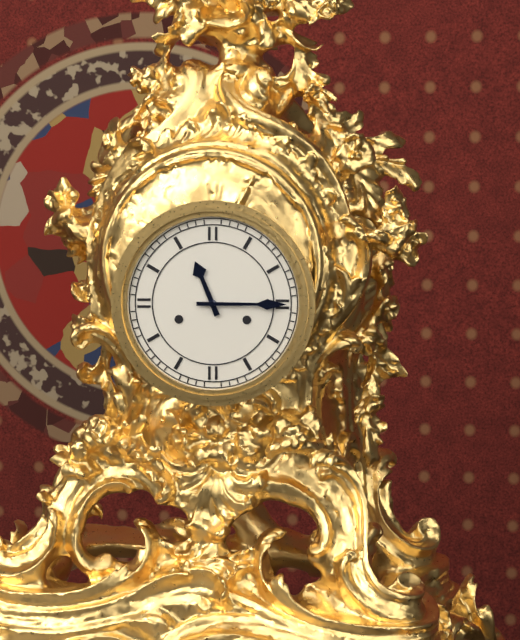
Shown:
11 h 15 min
